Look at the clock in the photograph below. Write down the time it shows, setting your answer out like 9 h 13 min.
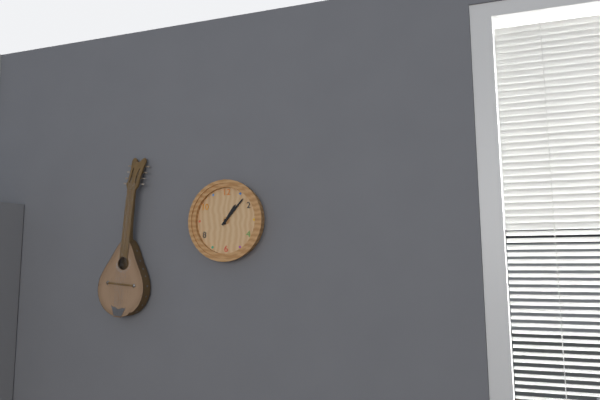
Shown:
1 h 07 min
